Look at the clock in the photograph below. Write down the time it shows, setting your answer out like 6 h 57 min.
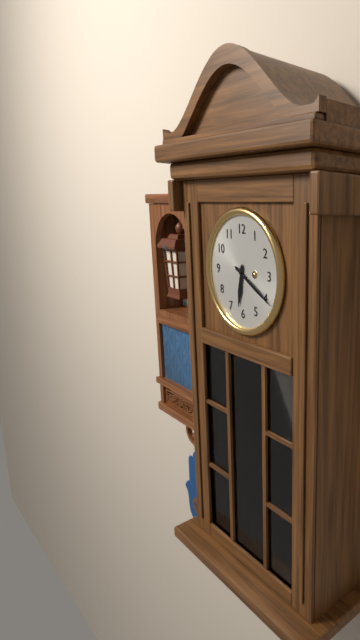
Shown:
6 h 20 min
